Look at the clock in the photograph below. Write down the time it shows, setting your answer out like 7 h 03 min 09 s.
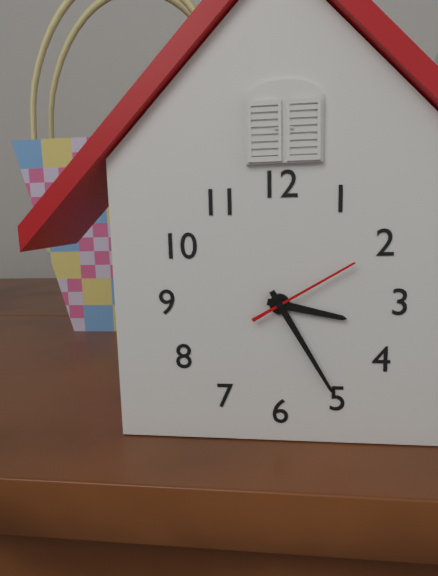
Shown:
3 h 25 min 10 s
